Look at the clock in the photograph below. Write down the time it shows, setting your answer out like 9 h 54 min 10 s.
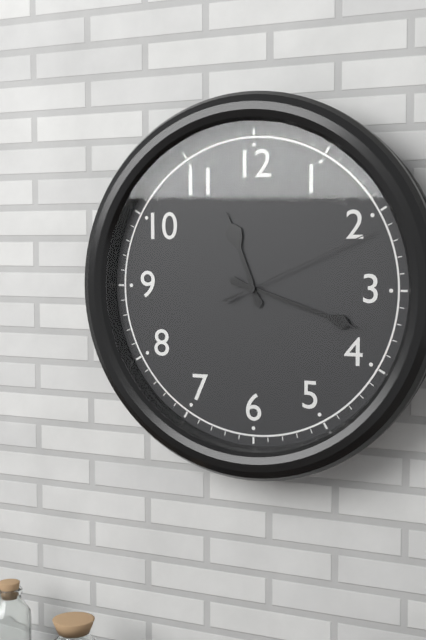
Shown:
11 h 18 min 11 s
